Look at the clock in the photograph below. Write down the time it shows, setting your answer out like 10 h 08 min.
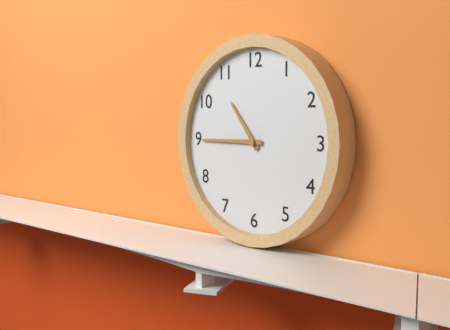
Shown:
10 h 45 min
